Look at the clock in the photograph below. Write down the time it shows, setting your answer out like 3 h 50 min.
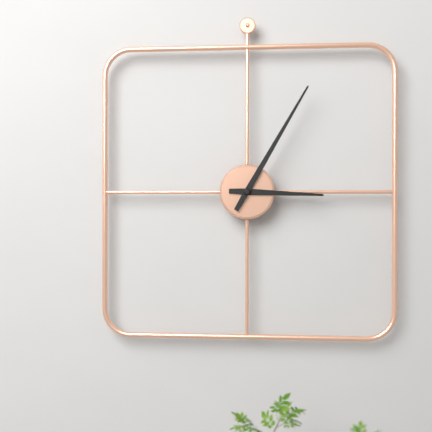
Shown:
3 h 05 min
